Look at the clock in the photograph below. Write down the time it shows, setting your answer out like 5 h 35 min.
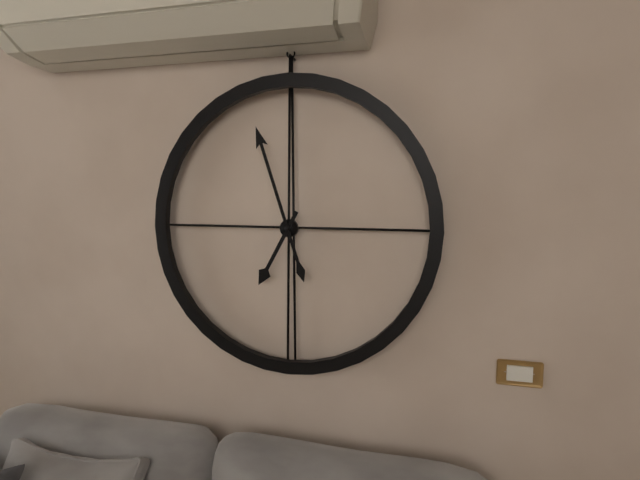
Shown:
6 h 57 min
